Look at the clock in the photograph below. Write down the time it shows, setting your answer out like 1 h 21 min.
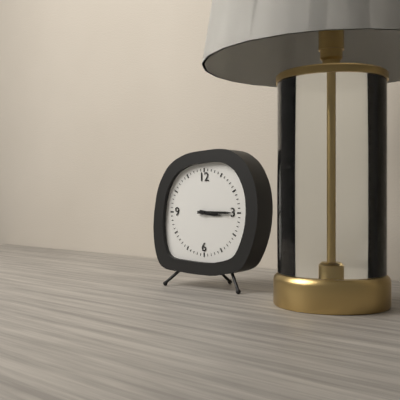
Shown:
3 h 15 min
